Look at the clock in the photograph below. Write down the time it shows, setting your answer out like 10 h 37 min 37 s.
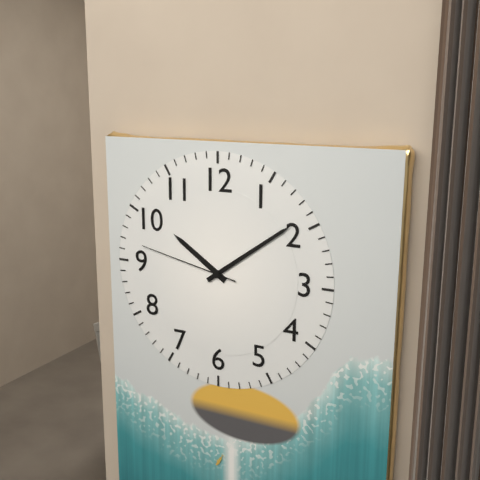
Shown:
10 h 09 min 47 s
